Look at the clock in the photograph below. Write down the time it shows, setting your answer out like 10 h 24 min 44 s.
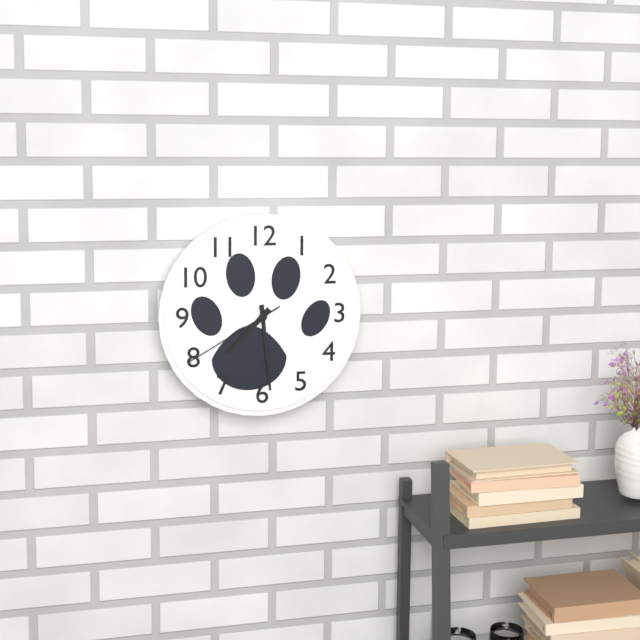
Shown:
7 h 29 min 40 s
